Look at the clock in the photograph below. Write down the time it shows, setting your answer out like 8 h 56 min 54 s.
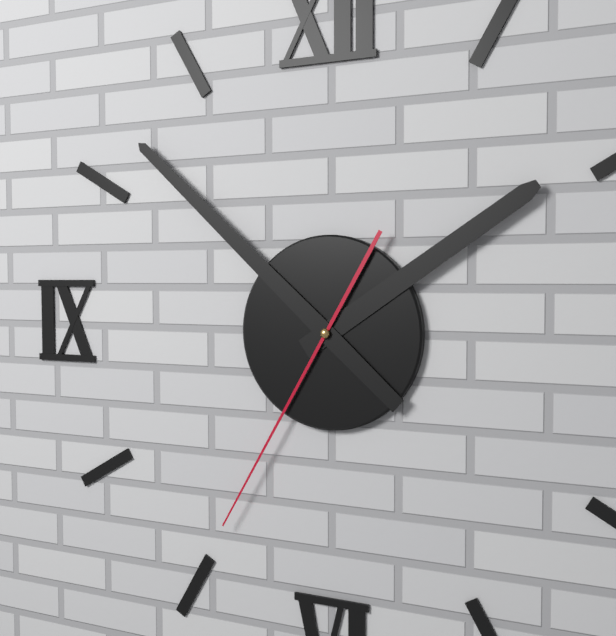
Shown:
1 h 52 min 35 s
